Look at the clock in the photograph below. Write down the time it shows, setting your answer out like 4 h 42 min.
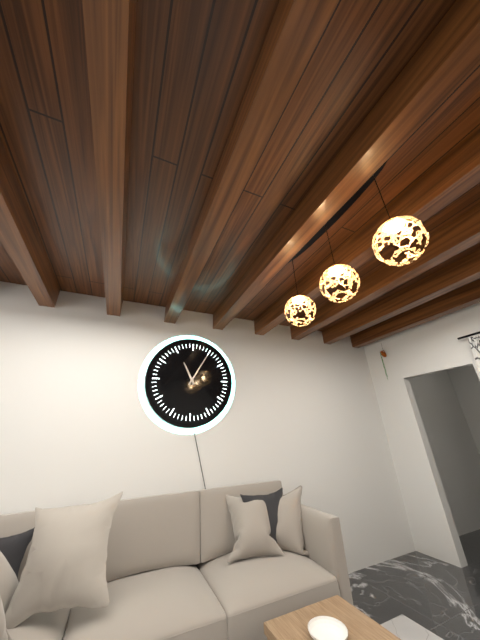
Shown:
11 h 05 min
